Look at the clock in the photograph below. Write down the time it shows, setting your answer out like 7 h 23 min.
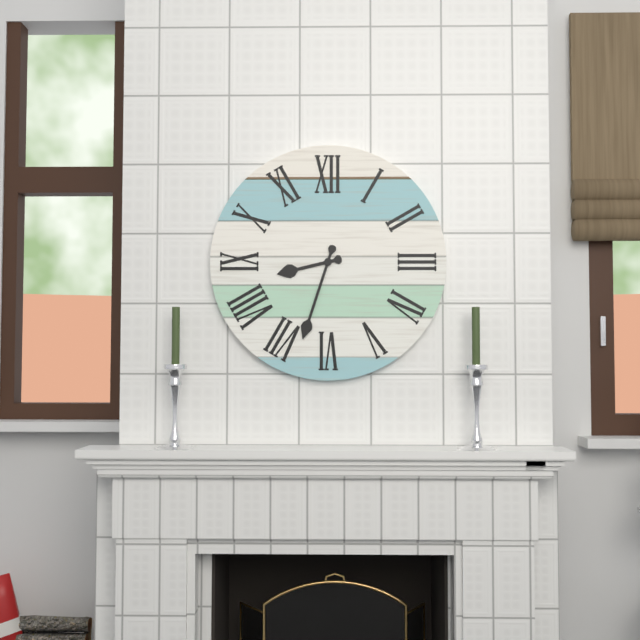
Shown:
8 h 33 min
